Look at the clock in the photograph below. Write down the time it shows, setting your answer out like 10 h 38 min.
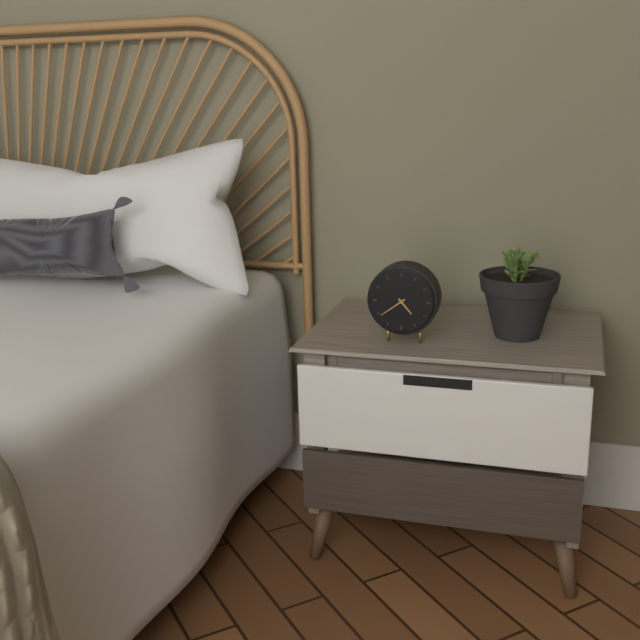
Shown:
4 h 39 min
